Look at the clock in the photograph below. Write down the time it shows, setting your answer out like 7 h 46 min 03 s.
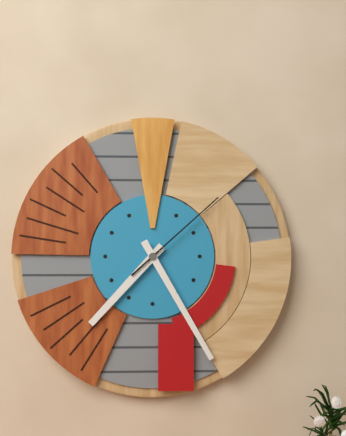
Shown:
7 h 25 min 08 s
